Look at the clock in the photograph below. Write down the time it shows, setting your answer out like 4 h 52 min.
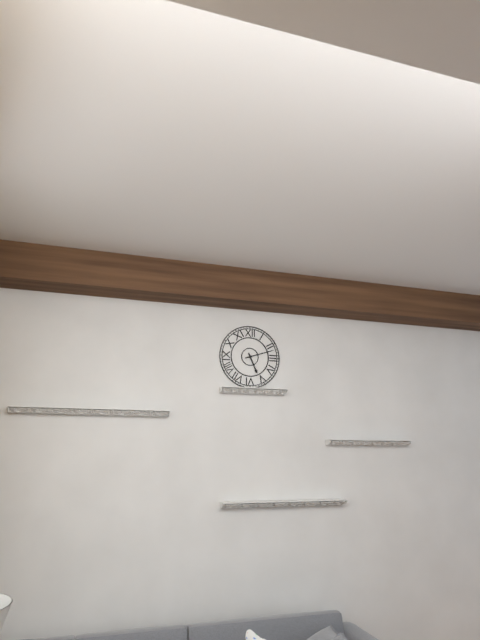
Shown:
5 h 12 min
